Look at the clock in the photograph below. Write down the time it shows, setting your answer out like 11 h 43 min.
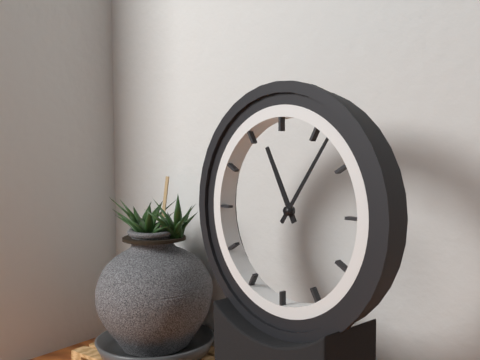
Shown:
11 h 06 min
